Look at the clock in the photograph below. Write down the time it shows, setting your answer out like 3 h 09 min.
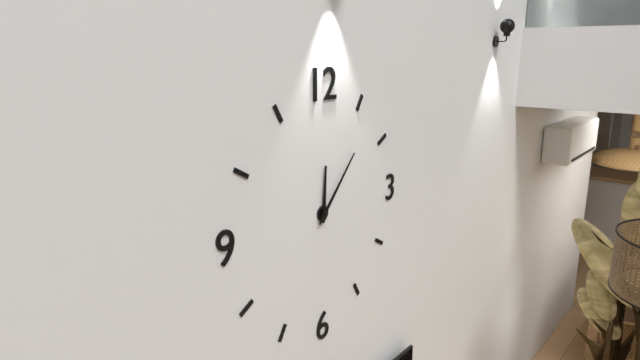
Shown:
12 h 07 min
